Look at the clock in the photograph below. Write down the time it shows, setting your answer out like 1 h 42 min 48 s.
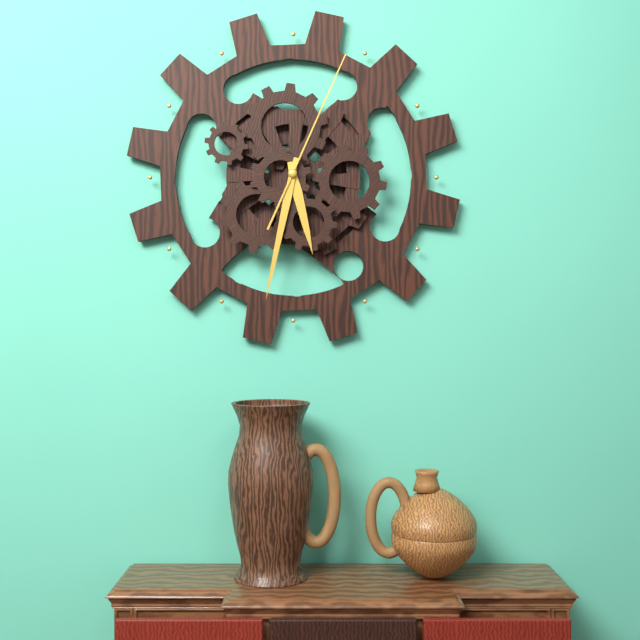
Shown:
5 h 32 min 04 s
